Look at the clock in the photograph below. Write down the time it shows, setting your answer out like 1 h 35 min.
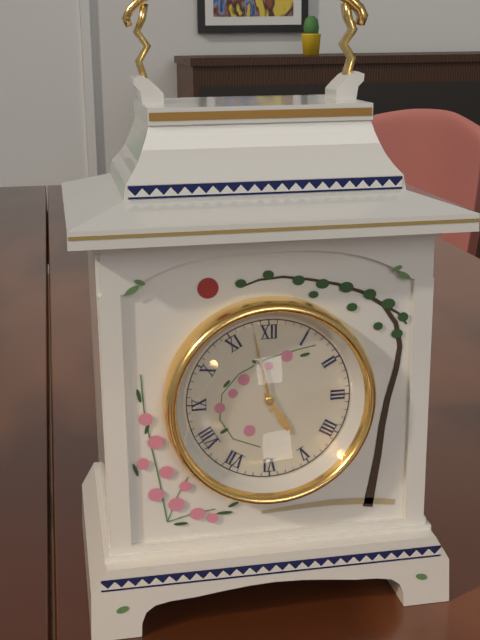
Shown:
4 h 58 min
